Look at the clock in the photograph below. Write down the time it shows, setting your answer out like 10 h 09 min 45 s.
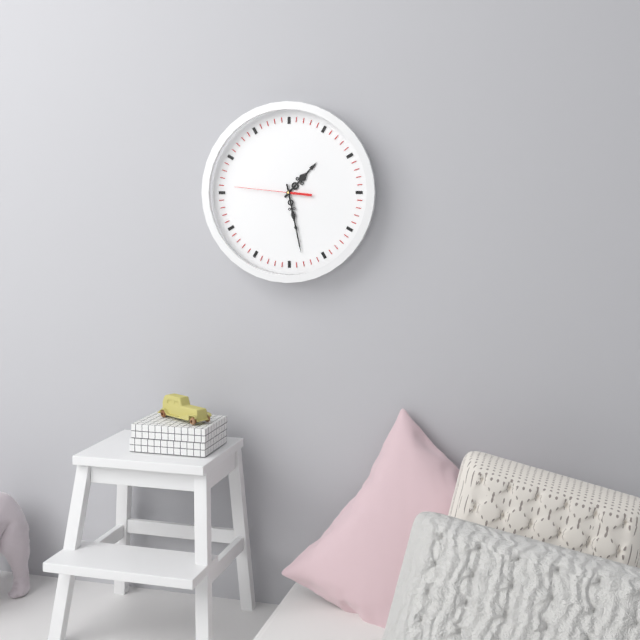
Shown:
1 h 28 min 46 s
